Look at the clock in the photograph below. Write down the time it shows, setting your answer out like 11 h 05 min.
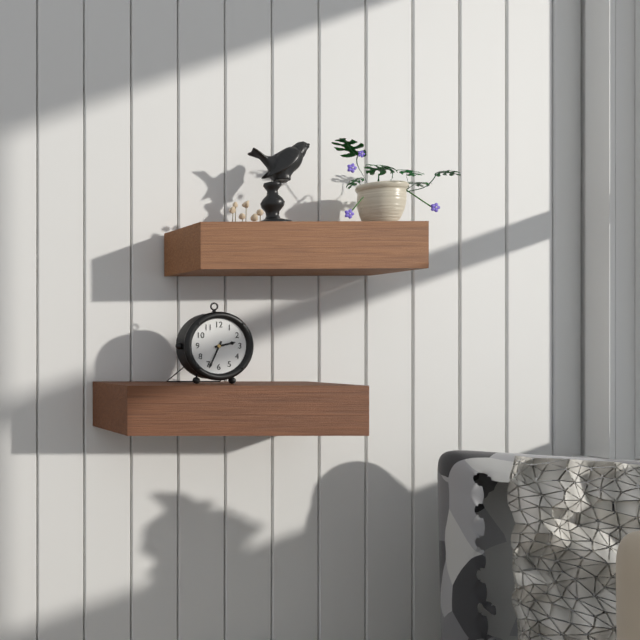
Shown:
2 h 34 min
